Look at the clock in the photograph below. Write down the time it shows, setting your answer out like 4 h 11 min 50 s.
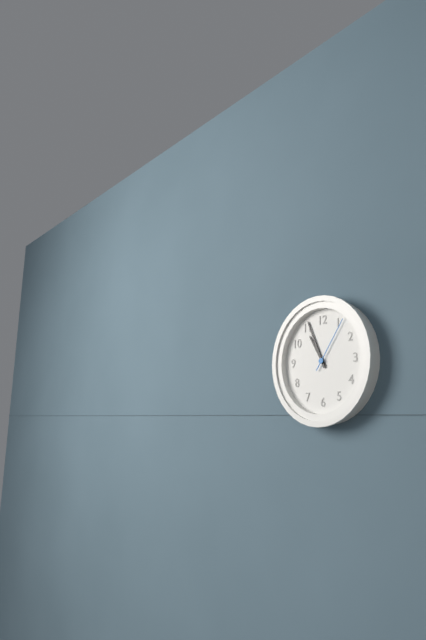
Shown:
10 h 56 min 06 s
